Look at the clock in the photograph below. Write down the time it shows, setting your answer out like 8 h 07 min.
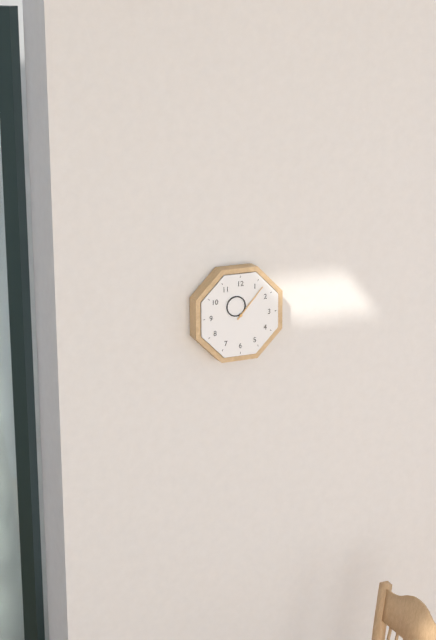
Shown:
11 h 07 min
